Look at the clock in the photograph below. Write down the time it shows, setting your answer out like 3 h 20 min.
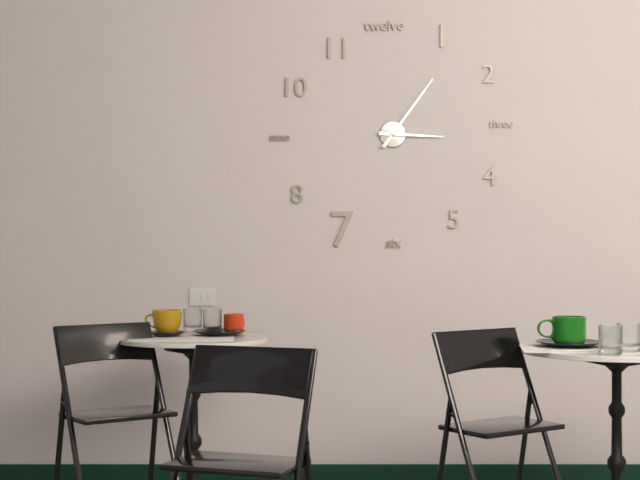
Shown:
3 h 06 min
